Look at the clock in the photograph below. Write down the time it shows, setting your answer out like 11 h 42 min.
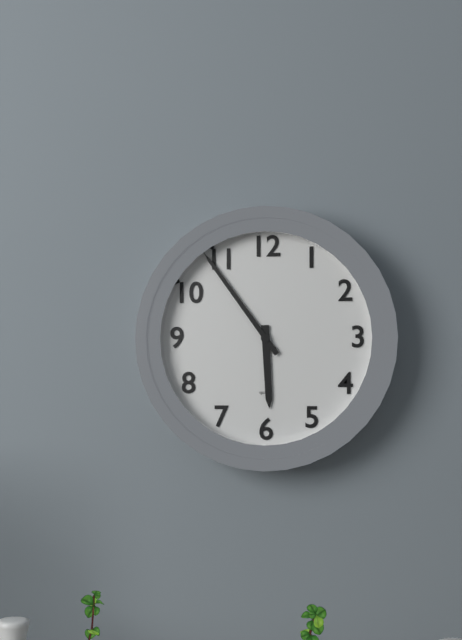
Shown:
5 h 54 min
